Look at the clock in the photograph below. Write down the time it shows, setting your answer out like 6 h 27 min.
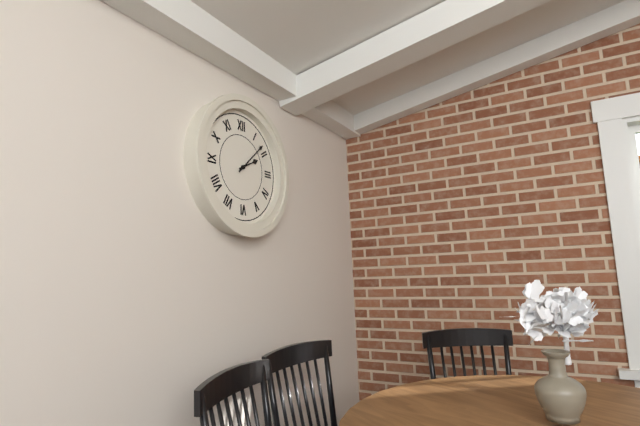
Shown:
2 h 08 min
